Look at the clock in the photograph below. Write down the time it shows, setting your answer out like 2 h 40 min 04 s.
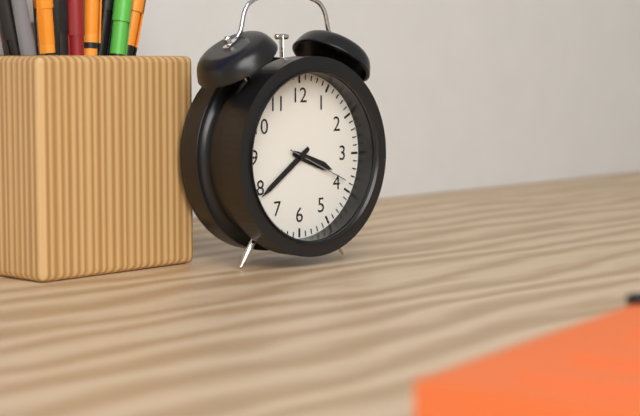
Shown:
3 h 39 min 19 s
